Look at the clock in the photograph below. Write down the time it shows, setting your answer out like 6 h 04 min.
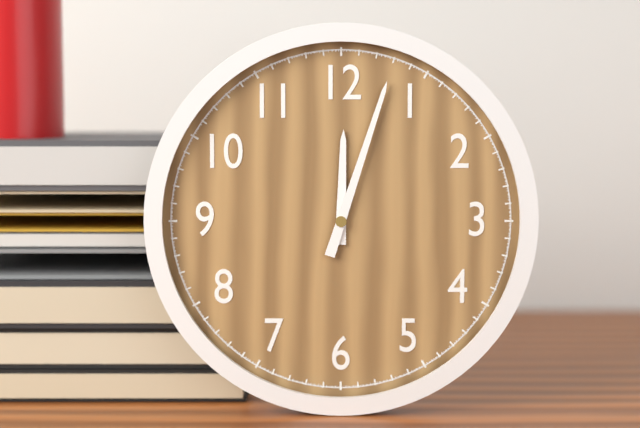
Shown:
12 h 03 min
